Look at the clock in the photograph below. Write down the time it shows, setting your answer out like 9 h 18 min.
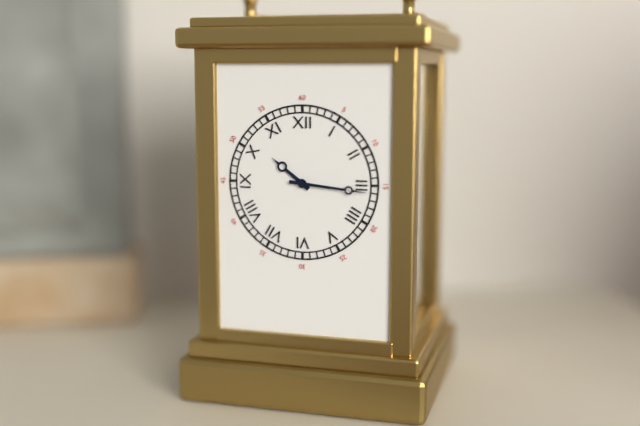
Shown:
10 h 16 min
